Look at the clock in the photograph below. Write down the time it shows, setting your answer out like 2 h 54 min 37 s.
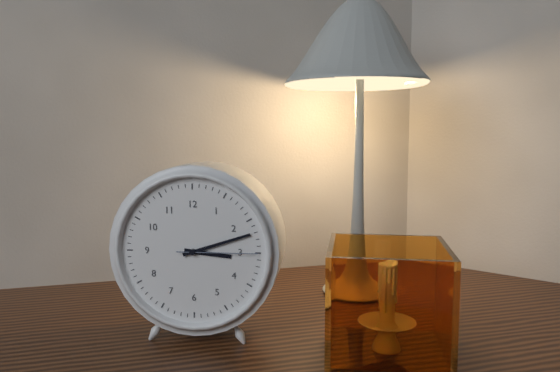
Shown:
3 h 12 min 15 s
